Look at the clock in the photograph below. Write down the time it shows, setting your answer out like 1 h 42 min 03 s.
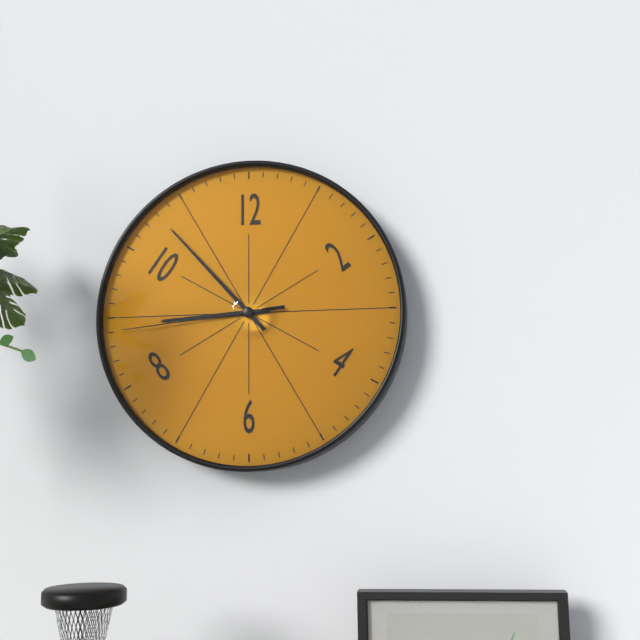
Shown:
8 h 53 min 44 s
